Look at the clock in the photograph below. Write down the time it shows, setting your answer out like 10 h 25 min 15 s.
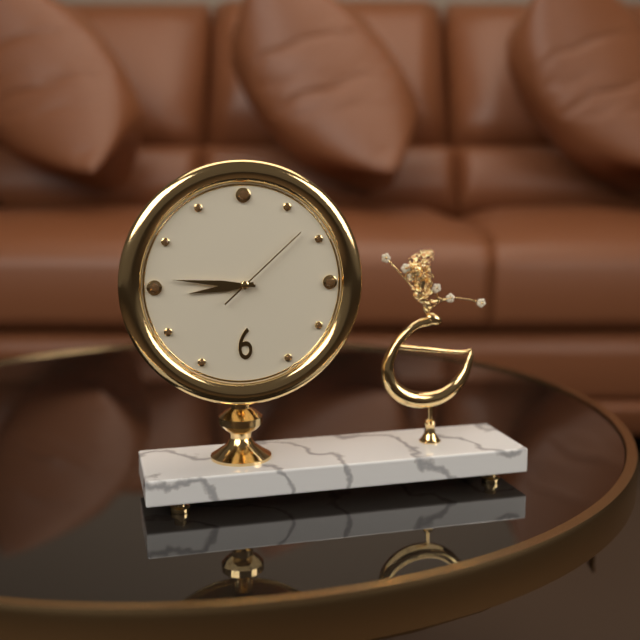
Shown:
8 h 46 min 08 s
